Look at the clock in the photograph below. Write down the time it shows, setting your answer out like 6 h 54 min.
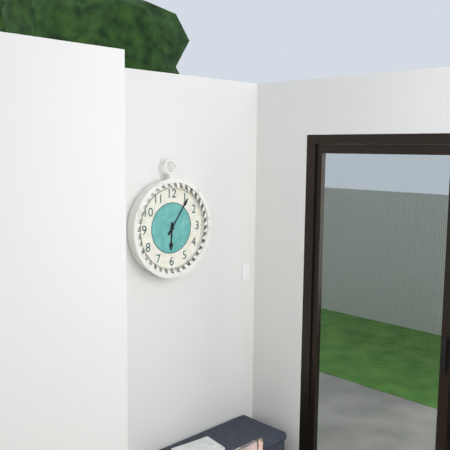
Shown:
6 h 06 min
